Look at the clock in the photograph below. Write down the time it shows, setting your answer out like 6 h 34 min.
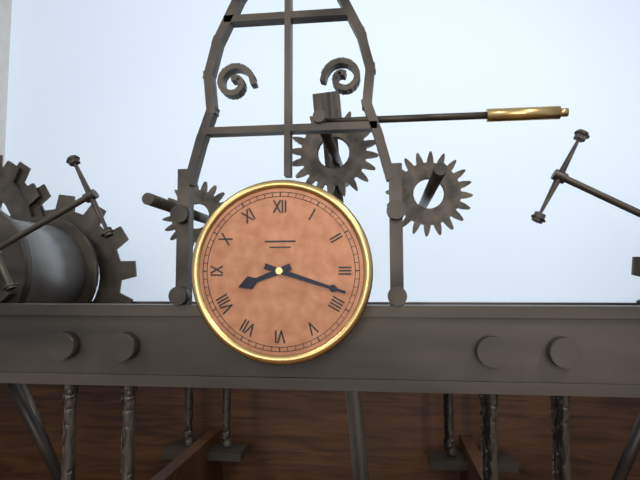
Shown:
8 h 18 min
